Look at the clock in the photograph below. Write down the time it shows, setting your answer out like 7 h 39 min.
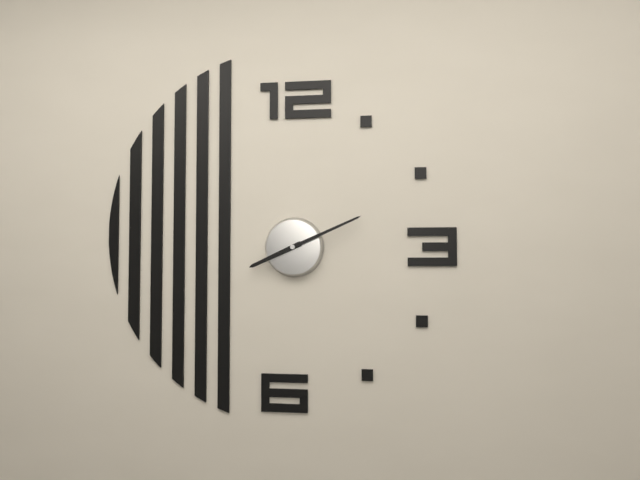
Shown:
8 h 11 min
